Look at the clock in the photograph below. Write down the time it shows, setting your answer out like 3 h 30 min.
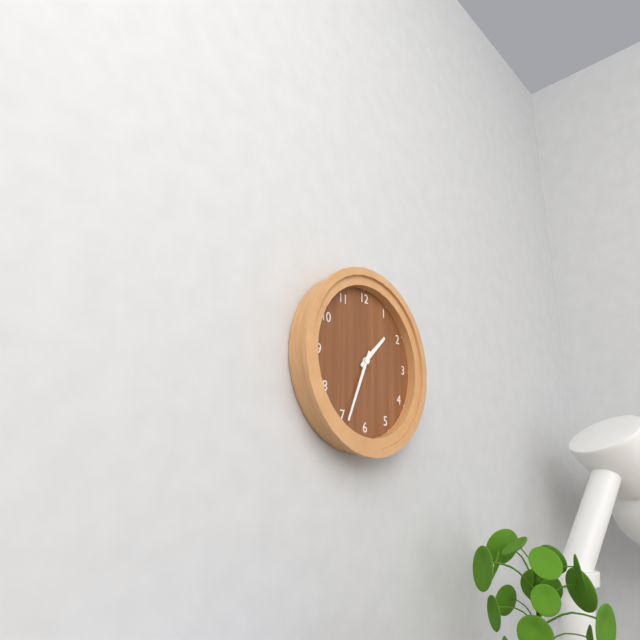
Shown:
1 h 34 min
